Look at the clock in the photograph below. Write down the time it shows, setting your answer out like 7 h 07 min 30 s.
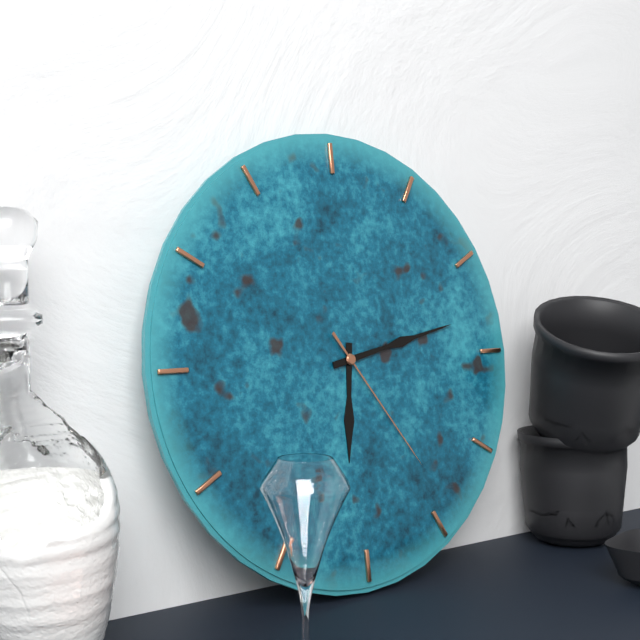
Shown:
6 h 13 min 24 s
